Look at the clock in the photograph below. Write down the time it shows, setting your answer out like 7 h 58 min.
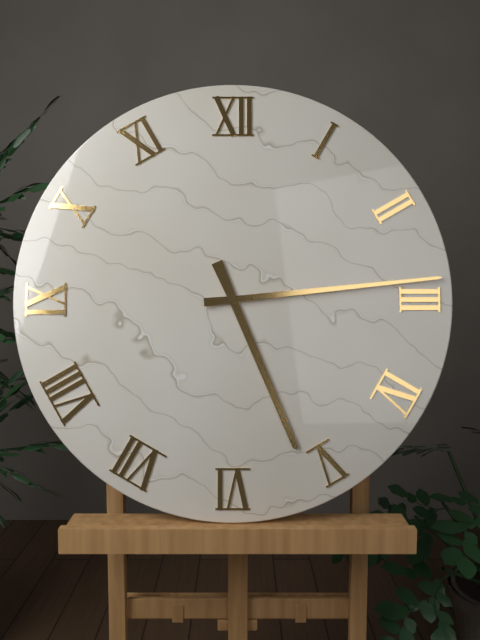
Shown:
5 h 14 min
